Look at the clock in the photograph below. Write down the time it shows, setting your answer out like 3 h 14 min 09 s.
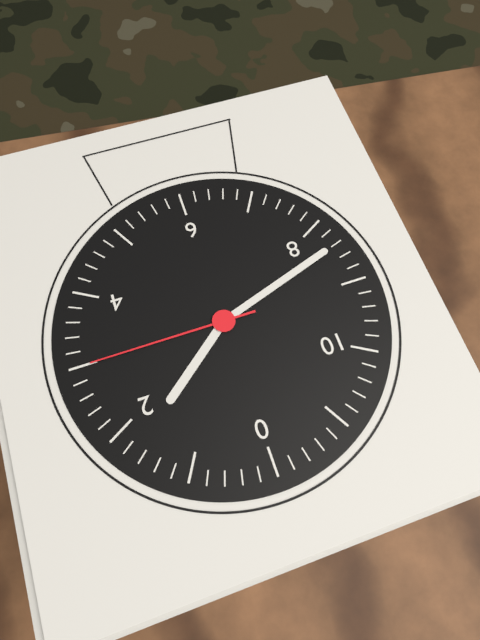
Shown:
1 h 42 min 15 s
